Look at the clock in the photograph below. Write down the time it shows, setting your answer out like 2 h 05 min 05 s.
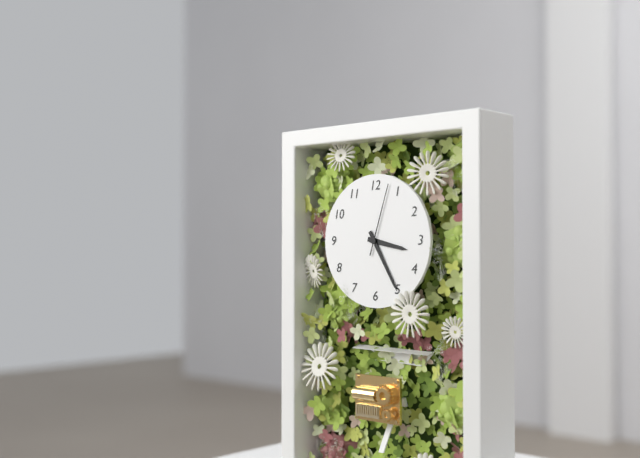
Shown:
3 h 25 min 03 s
